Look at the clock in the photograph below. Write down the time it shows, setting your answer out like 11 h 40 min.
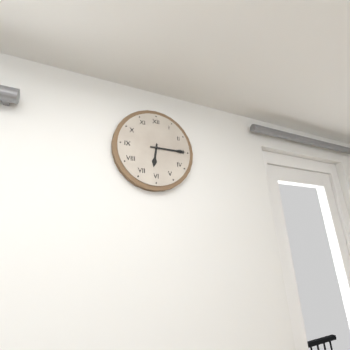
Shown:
6 h 15 min
